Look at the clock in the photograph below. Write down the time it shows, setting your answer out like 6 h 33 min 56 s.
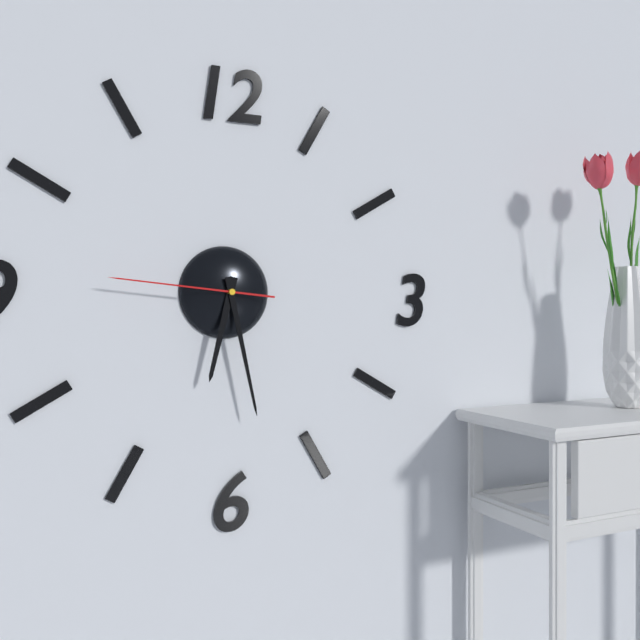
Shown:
6 h 28 min 46 s
